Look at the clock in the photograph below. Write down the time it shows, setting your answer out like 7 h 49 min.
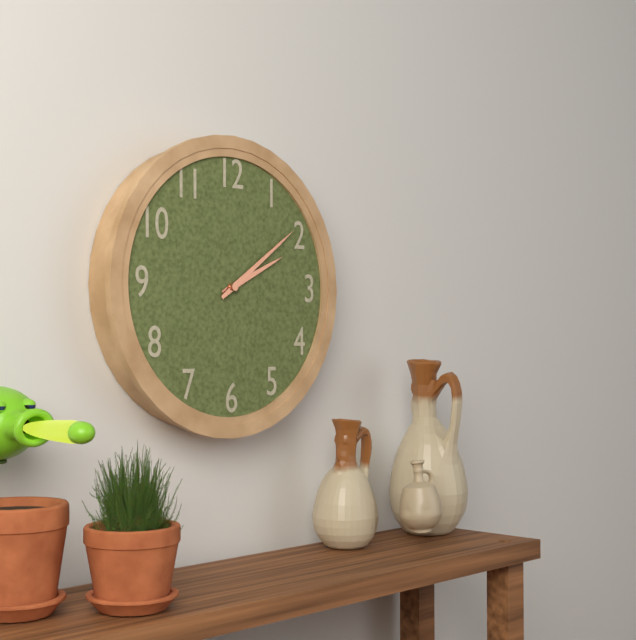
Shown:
2 h 09 min
